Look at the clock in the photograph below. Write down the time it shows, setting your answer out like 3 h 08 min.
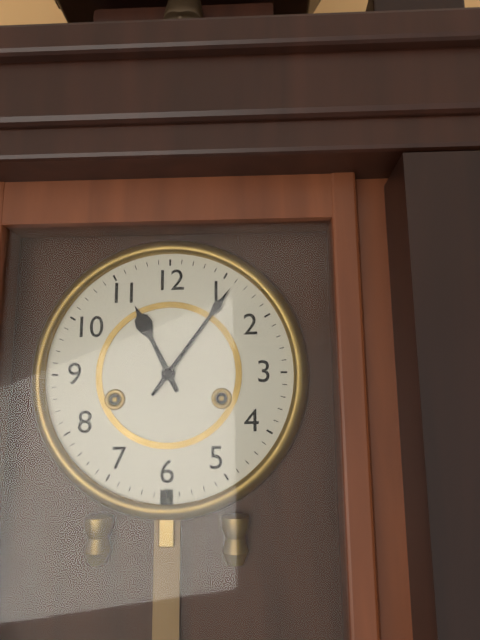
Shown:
11 h 06 min
